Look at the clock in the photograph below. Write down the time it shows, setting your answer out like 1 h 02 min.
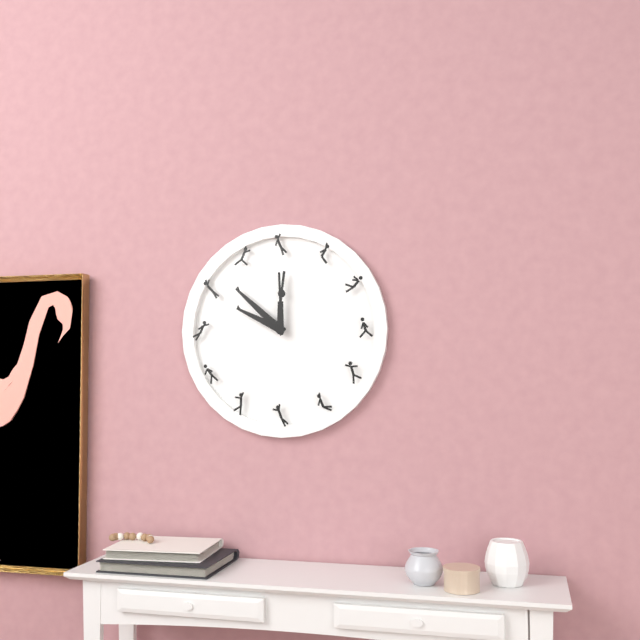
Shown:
9 h 52 min
